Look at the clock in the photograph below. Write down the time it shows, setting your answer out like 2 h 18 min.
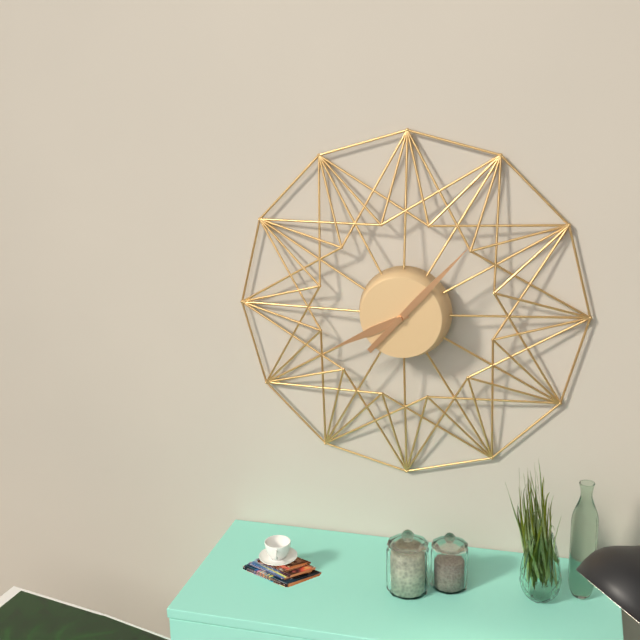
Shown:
8 h 07 min
